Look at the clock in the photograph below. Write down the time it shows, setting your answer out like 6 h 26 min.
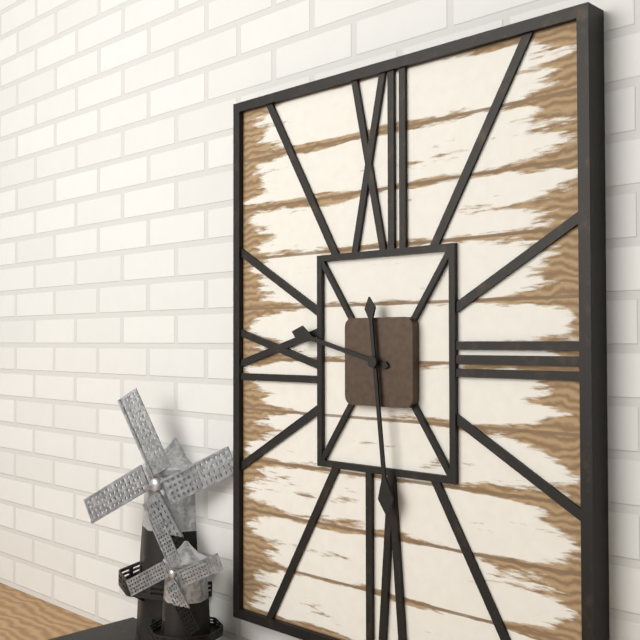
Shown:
9 h 29 min
